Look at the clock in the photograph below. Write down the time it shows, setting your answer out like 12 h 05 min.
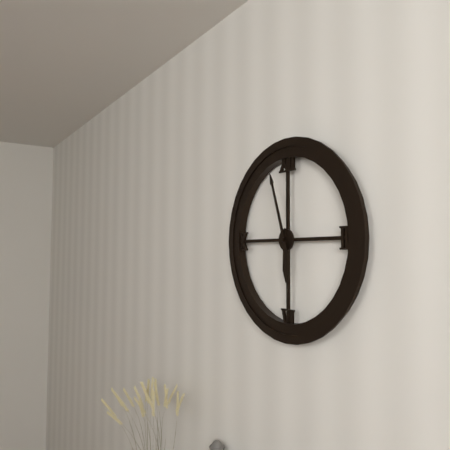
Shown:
5 h 57 min
